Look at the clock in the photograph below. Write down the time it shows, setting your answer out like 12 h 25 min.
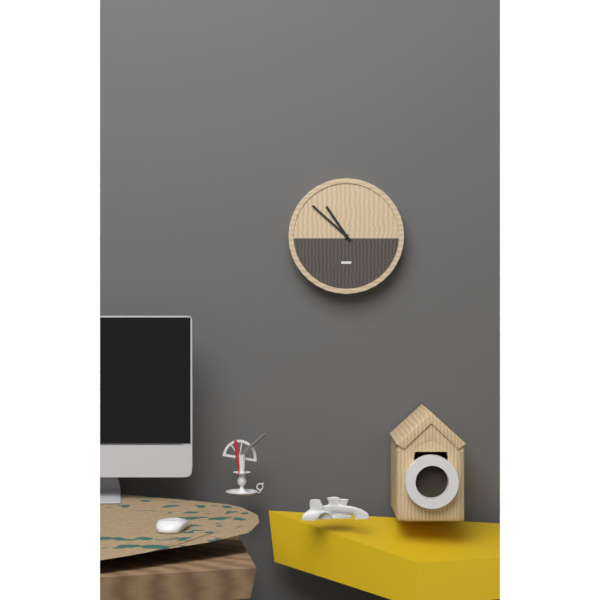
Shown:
10 h 52 min
